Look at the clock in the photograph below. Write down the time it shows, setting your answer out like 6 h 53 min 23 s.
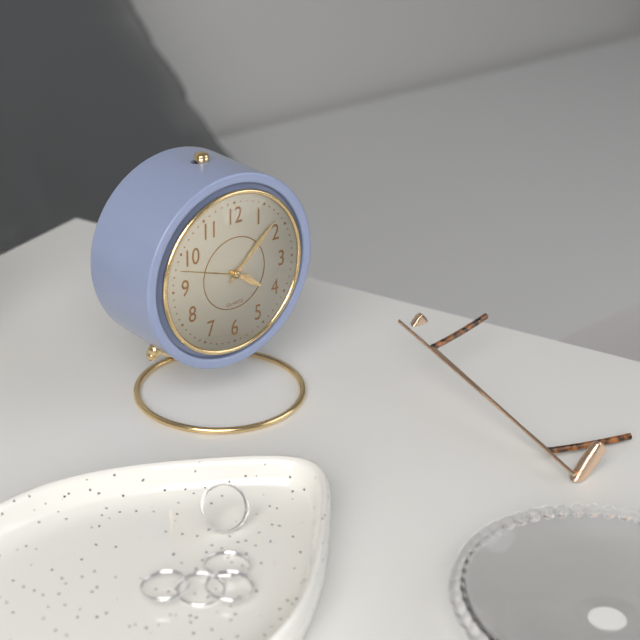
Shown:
4 h 08 min 48 s
